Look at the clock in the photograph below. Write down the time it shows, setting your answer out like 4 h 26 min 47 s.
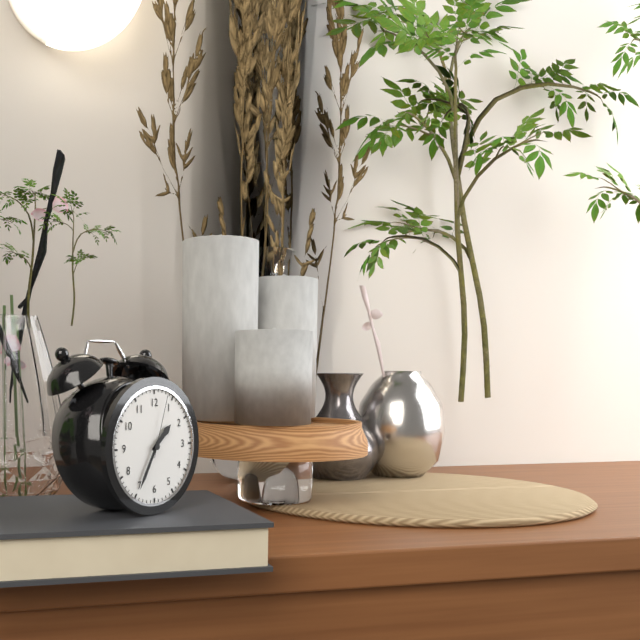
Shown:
1 h 35 min 03 s
